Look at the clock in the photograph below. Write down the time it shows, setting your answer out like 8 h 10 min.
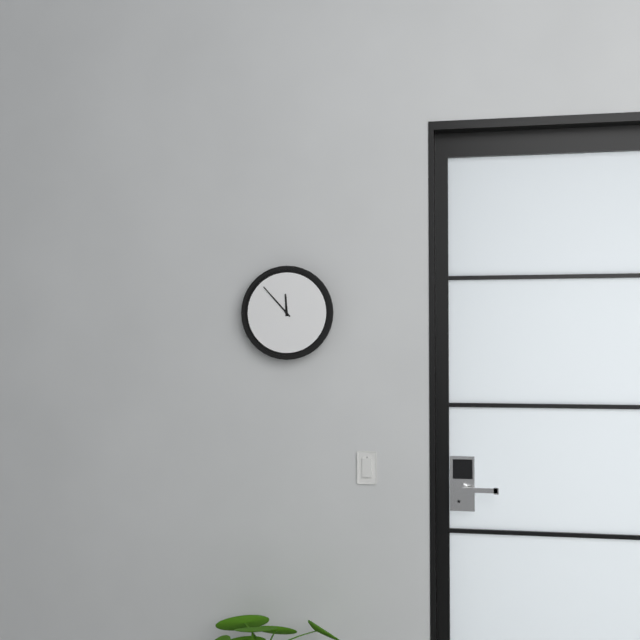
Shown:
11 h 53 min
